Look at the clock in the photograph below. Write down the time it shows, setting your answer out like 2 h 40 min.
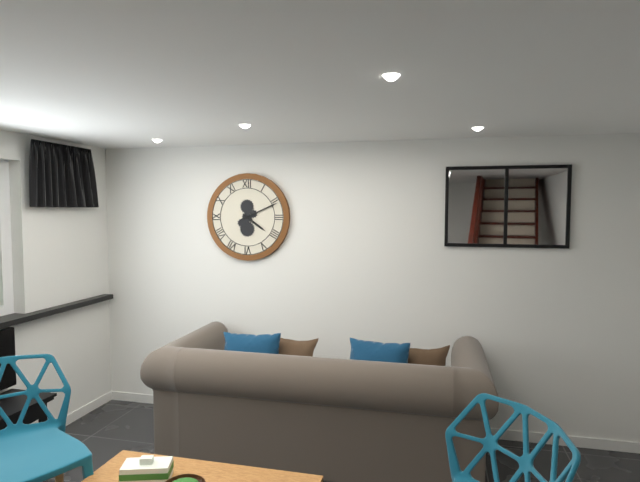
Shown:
4 h 11 min
